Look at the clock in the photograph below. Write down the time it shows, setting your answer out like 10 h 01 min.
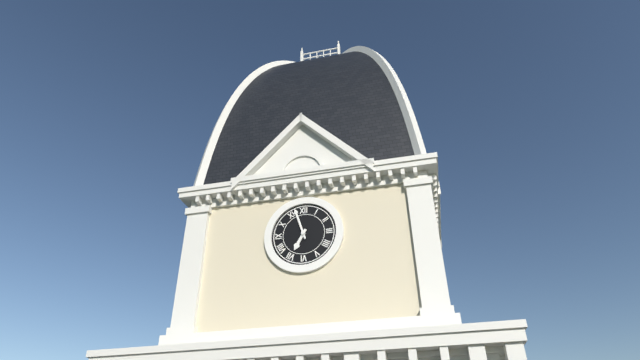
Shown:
6 h 57 min
